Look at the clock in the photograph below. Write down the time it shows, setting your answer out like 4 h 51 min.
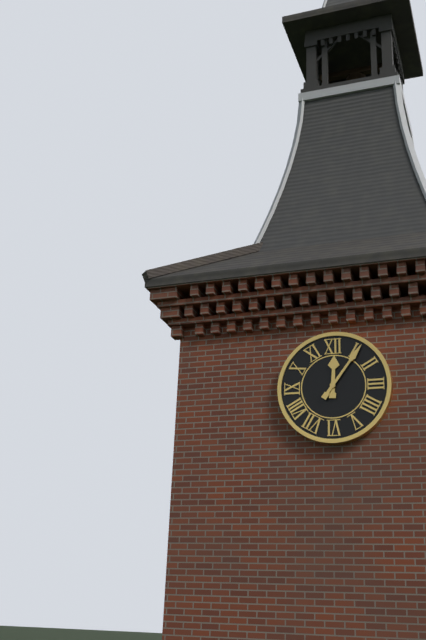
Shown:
12 h 06 min
